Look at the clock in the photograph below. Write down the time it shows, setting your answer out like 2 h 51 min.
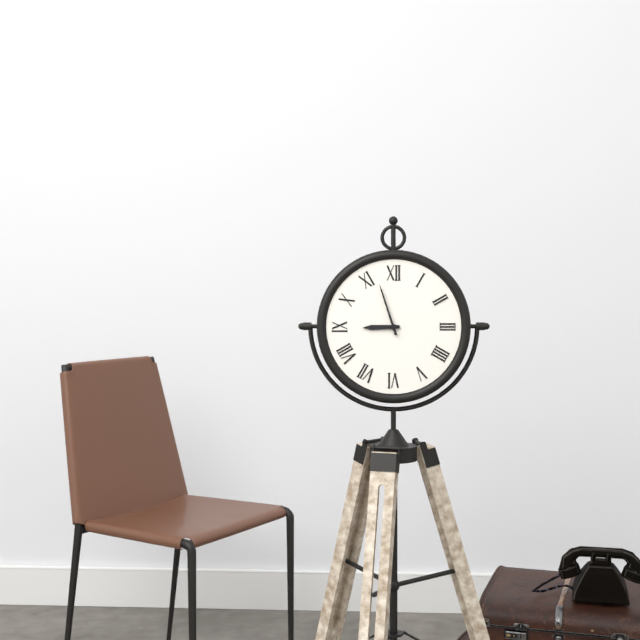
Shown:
8 h 57 min
